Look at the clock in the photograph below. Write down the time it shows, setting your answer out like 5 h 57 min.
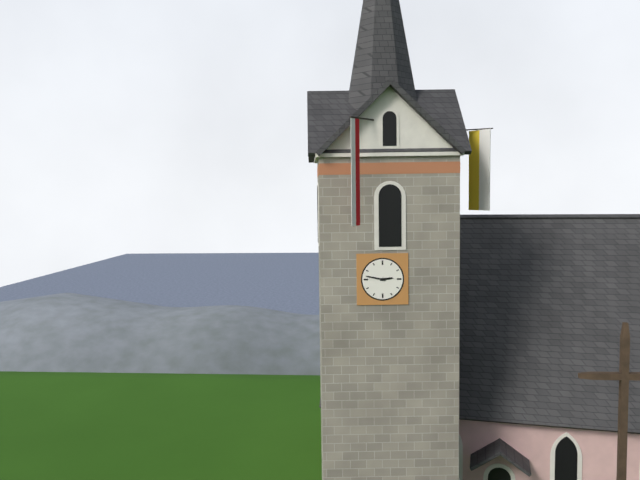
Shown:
2 h 47 min
